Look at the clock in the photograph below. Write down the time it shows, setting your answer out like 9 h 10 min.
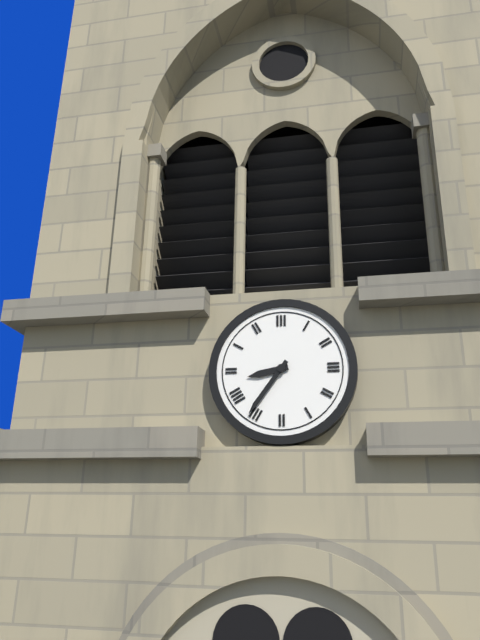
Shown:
8 h 36 min
